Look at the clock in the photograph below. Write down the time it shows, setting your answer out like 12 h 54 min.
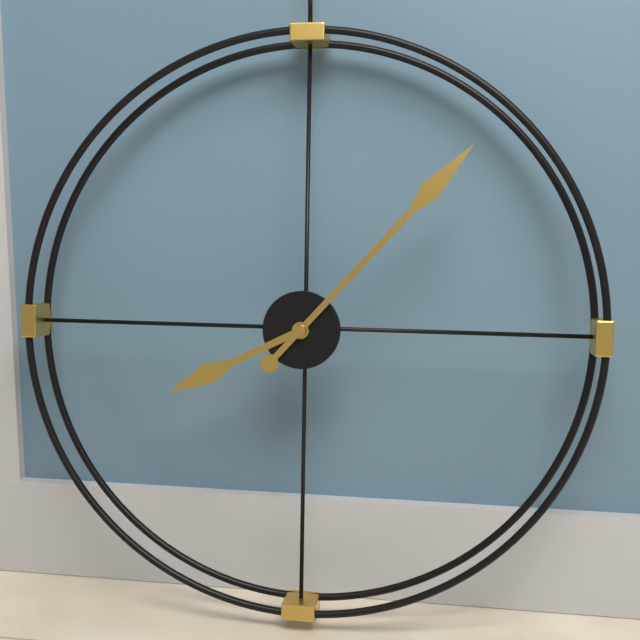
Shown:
8 h 07 min
